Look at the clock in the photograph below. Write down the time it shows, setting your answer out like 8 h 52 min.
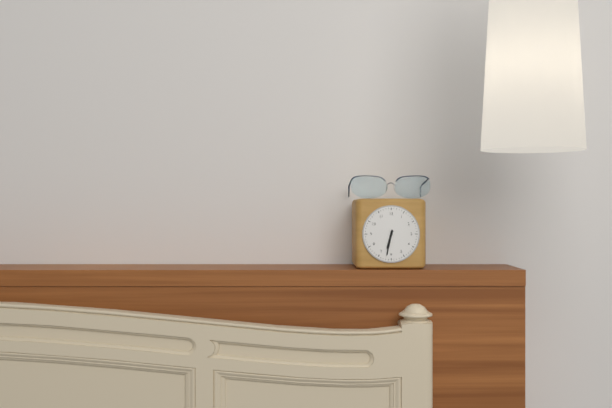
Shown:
6 h 32 min
